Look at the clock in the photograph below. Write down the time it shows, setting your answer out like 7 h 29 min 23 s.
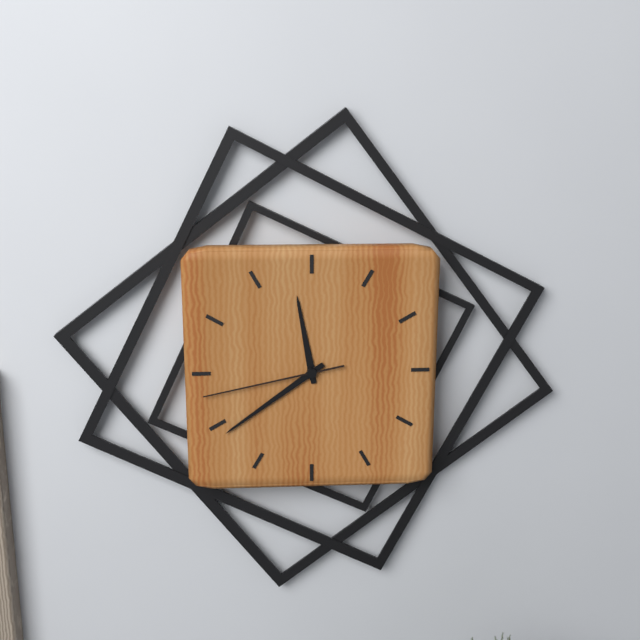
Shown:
11 h 39 min 43 s
